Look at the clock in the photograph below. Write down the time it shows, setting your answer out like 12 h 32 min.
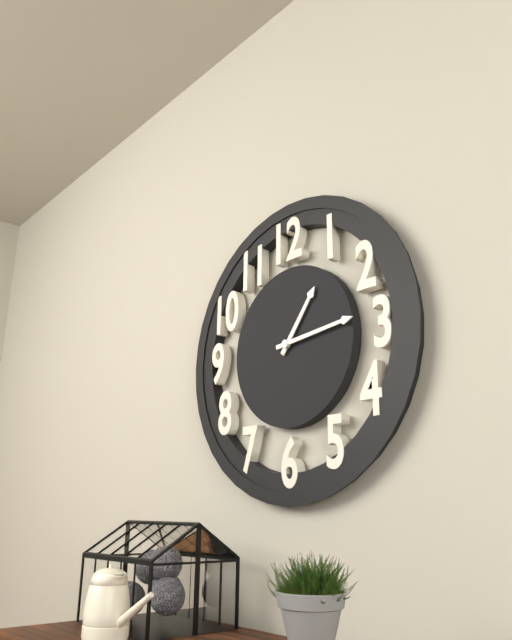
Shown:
1 h 14 min
